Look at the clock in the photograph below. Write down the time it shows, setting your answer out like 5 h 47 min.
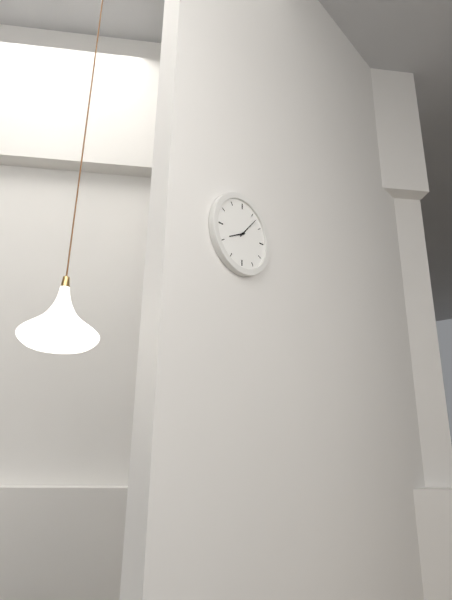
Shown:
8 h 07 min
